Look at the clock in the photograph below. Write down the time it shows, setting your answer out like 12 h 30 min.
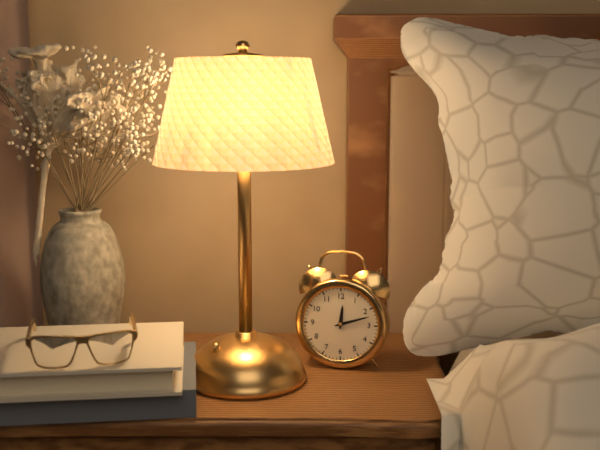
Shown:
12 h 12 min
